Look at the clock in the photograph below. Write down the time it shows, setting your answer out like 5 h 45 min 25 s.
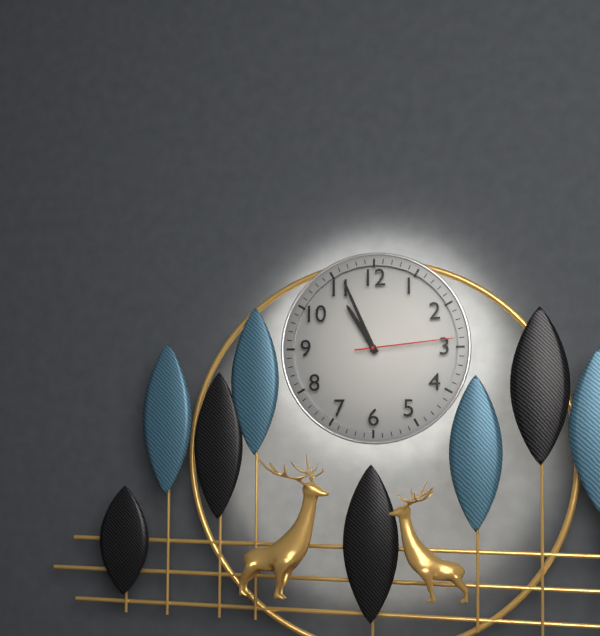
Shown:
10 h 56 min 14 s
